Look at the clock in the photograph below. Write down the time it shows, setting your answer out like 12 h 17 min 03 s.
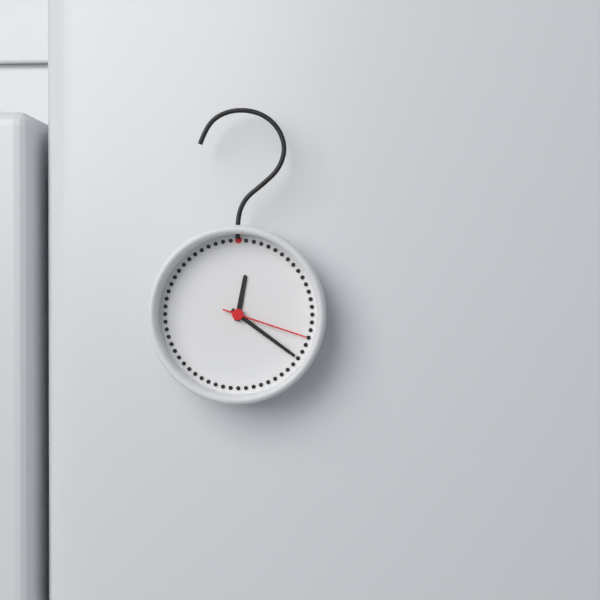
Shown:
12 h 21 min 18 s
